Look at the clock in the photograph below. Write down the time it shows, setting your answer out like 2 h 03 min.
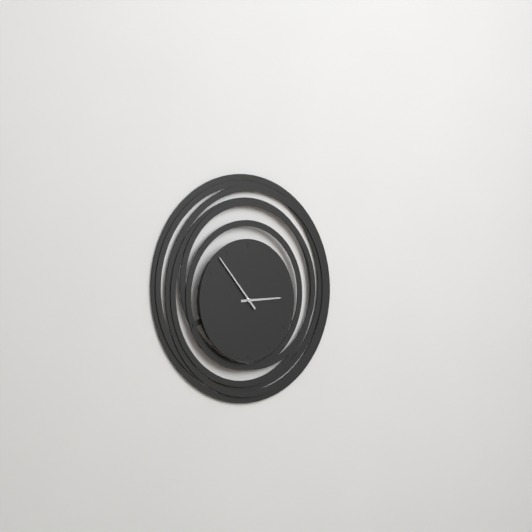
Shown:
2 h 53 min
